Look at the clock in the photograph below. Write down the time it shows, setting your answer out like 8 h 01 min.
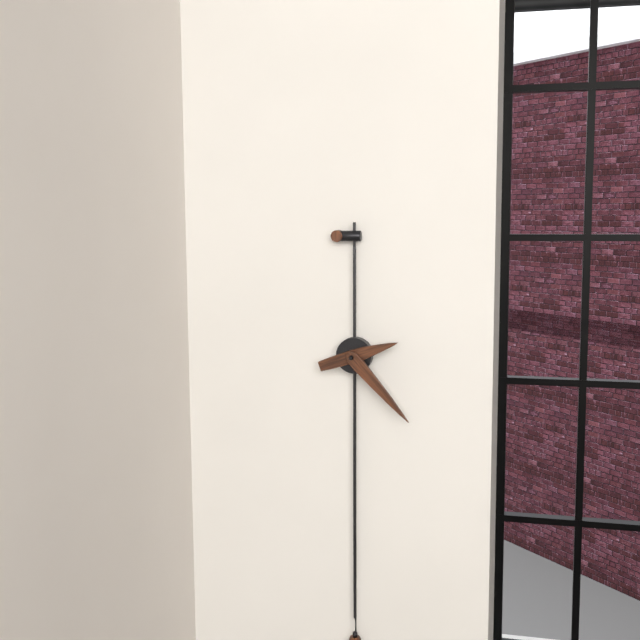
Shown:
2 h 23 min
